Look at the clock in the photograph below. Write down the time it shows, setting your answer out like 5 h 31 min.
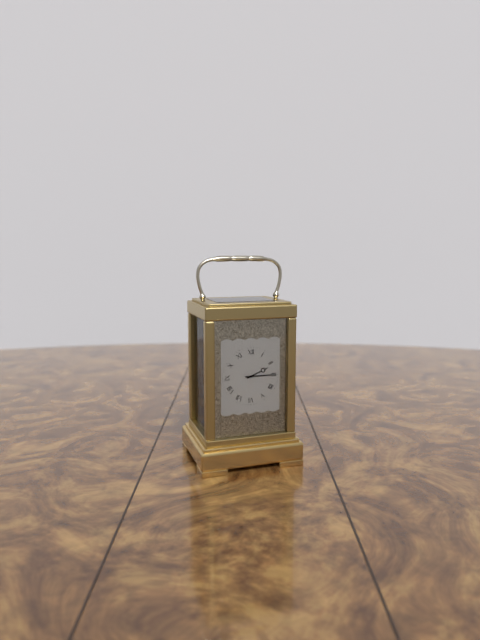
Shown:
2 h 15 min
